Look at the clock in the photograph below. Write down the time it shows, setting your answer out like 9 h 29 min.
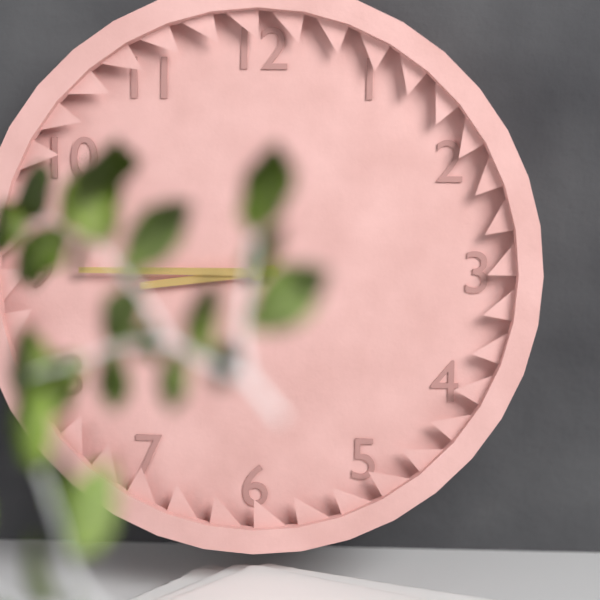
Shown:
8 h 45 min
